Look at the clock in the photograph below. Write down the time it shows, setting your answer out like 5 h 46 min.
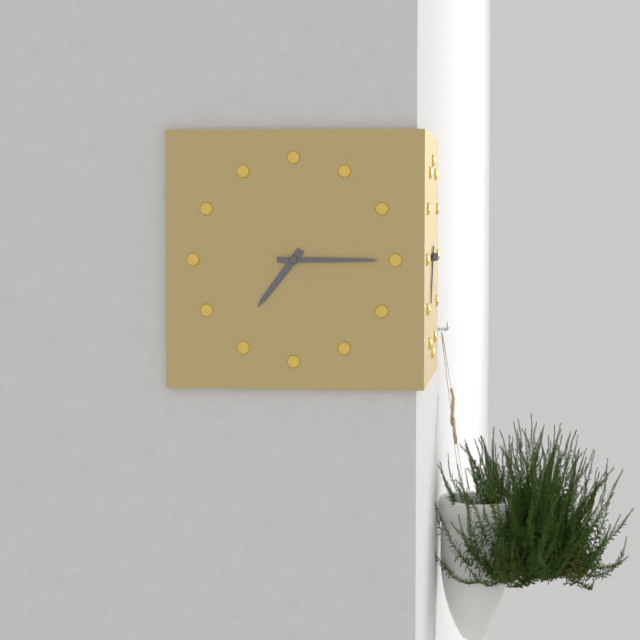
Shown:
7 h 15 min
